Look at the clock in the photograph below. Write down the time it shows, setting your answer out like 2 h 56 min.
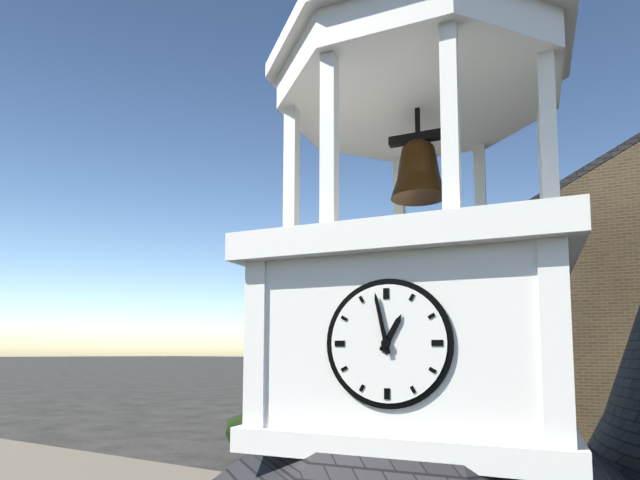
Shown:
12 h 58 min
